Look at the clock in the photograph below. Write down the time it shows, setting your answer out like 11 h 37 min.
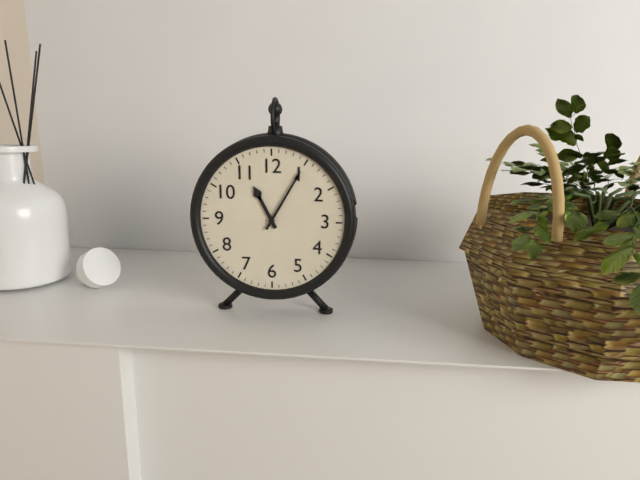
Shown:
11 h 05 min
